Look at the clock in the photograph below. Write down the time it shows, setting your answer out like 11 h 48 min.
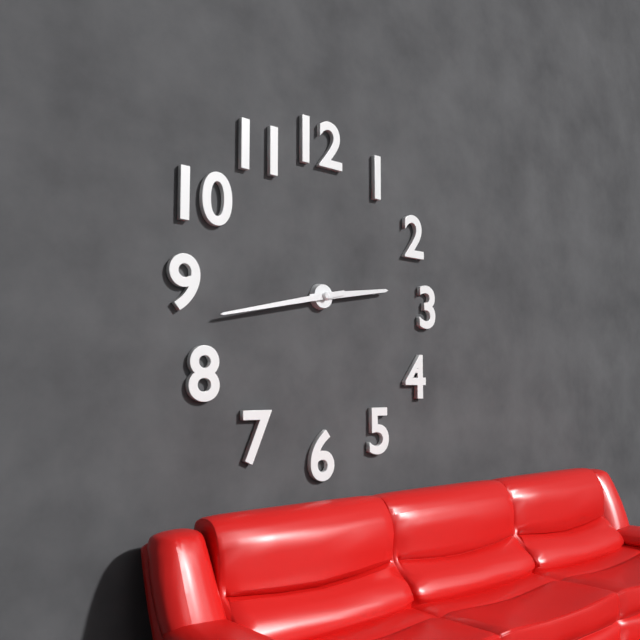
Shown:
2 h 43 min
